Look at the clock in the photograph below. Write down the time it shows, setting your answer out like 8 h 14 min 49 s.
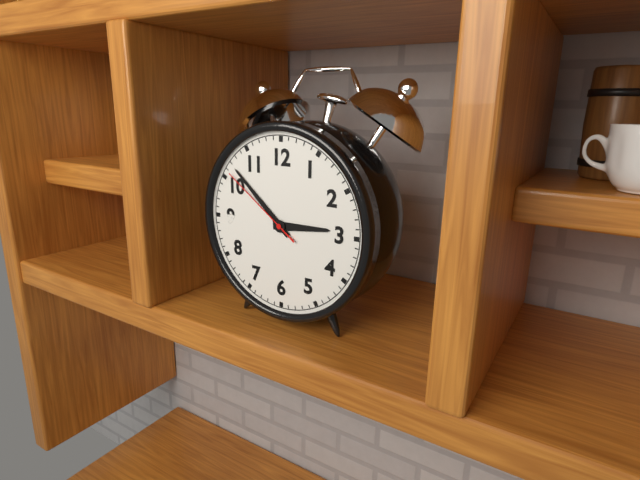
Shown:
2 h 52 min 51 s
